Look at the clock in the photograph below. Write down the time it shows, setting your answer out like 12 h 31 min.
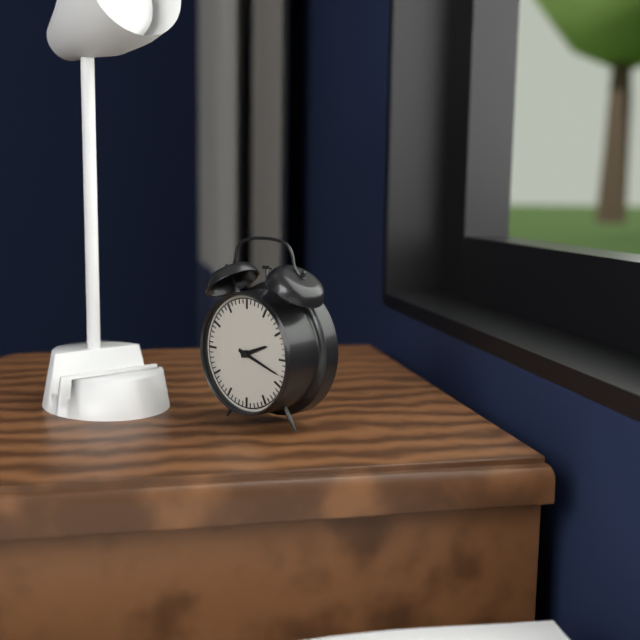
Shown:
2 h 18 min
